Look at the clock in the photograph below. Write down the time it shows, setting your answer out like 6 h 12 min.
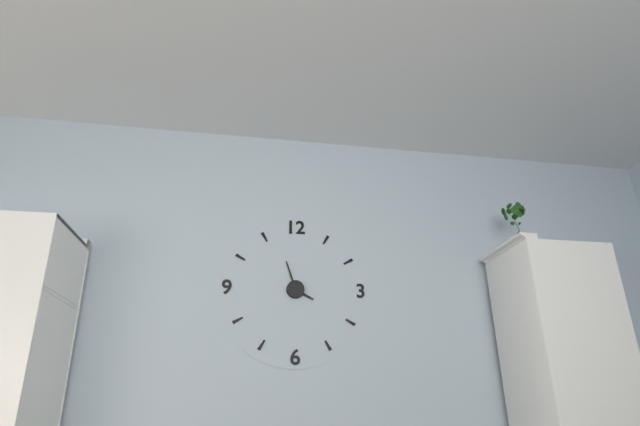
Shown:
3 h 57 min
